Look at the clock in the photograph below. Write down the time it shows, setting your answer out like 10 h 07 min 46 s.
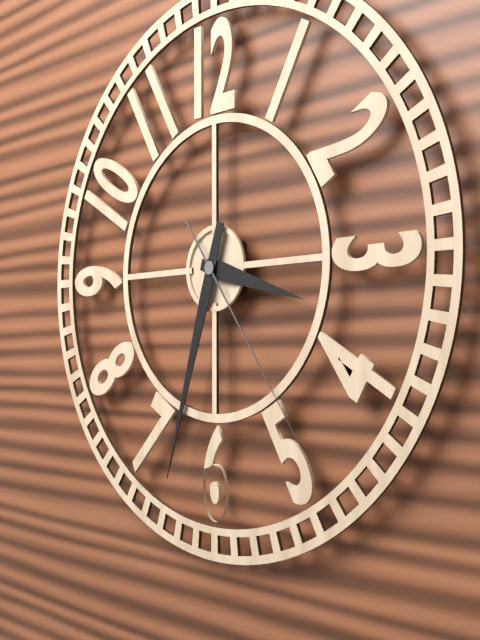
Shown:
3 h 33 min 24 s
